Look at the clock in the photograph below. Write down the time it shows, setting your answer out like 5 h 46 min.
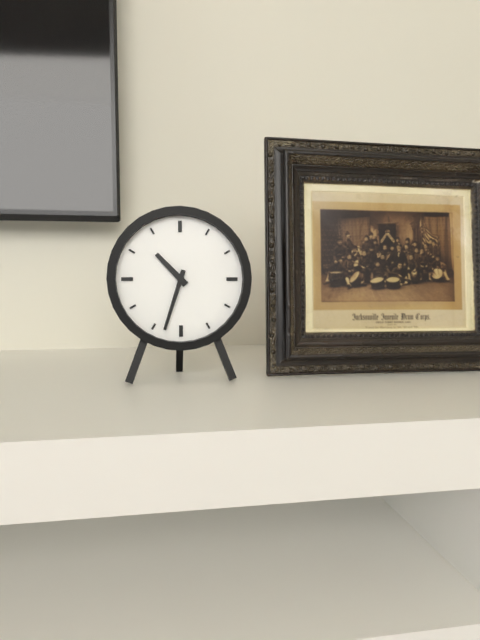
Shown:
10 h 33 min
